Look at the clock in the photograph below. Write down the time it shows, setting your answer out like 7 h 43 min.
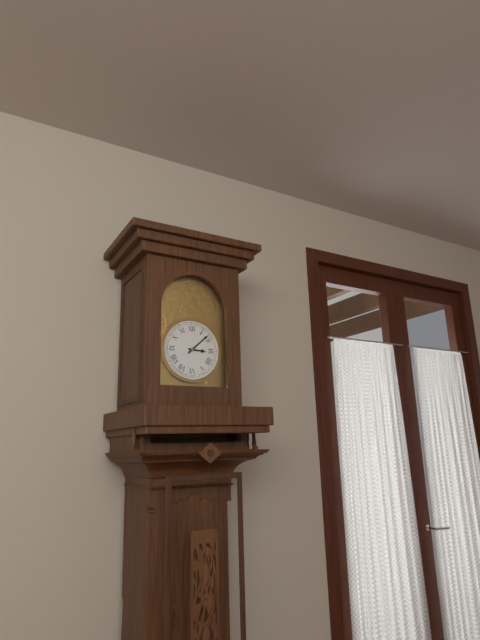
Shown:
3 h 08 min
